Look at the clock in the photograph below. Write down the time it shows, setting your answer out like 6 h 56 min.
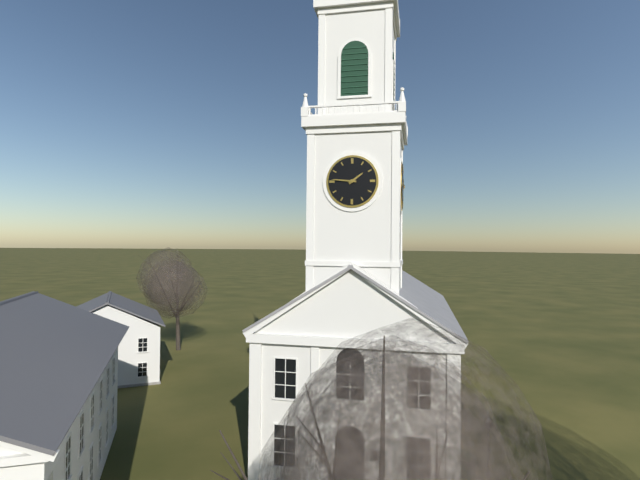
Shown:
1 h 46 min
